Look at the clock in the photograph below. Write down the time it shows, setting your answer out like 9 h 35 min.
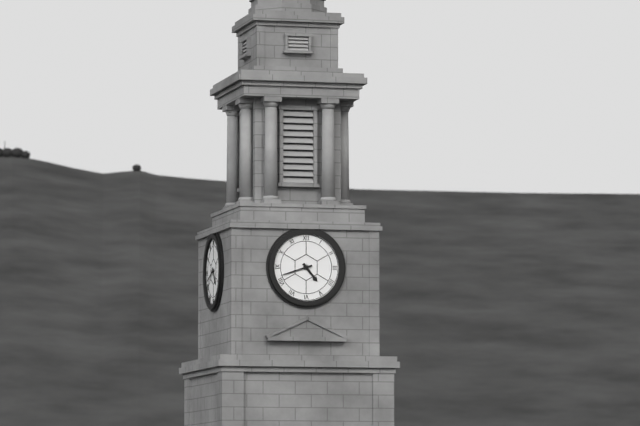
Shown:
4 h 42 min
